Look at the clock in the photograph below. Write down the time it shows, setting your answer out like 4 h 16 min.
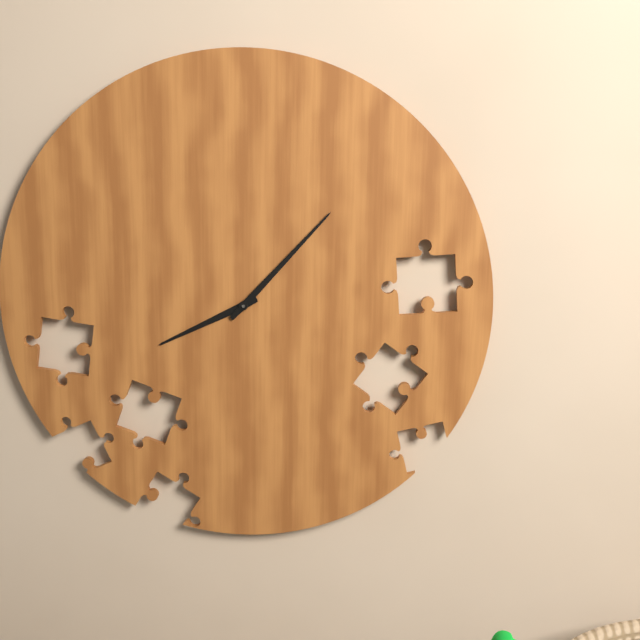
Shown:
8 h 07 min
